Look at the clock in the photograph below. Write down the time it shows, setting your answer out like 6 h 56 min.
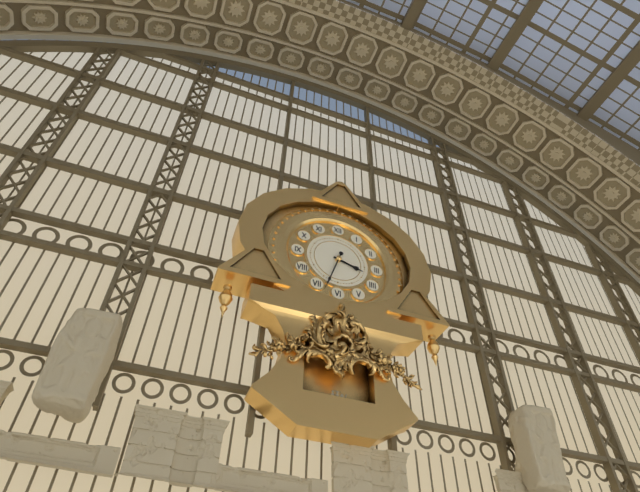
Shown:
3 h 33 min
